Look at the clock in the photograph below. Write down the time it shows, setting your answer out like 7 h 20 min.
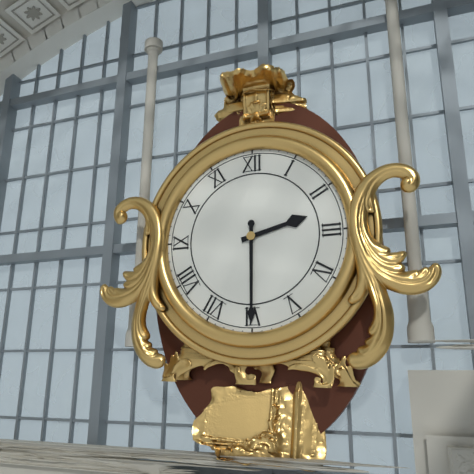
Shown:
2 h 30 min
